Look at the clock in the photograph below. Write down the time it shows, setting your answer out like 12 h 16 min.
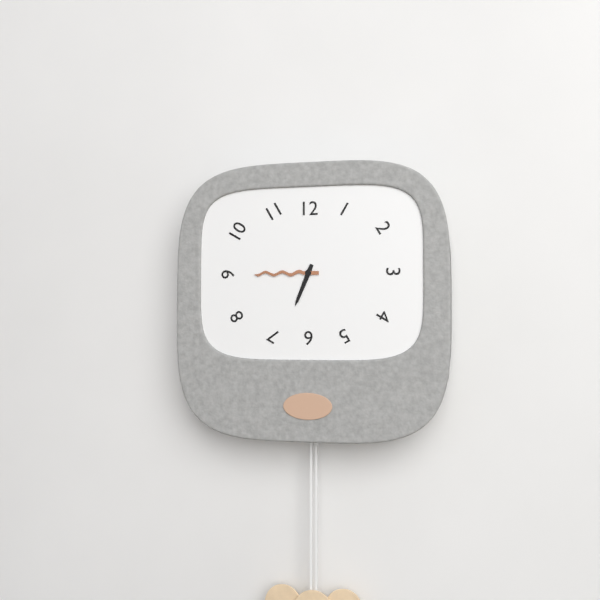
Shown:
6 h 45 min
